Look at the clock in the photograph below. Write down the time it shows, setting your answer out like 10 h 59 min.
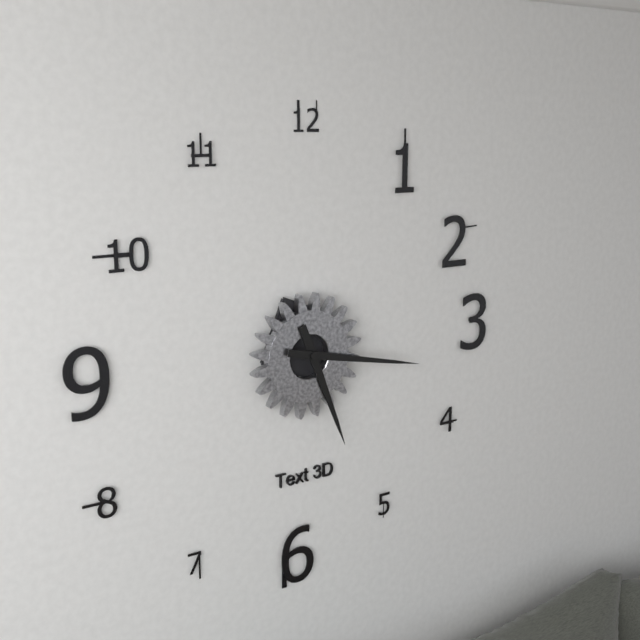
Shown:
5 h 17 min
